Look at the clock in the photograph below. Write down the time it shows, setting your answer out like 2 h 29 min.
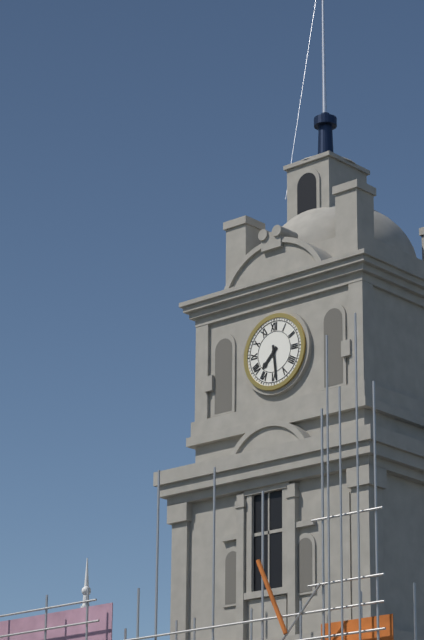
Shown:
7 h 29 min
